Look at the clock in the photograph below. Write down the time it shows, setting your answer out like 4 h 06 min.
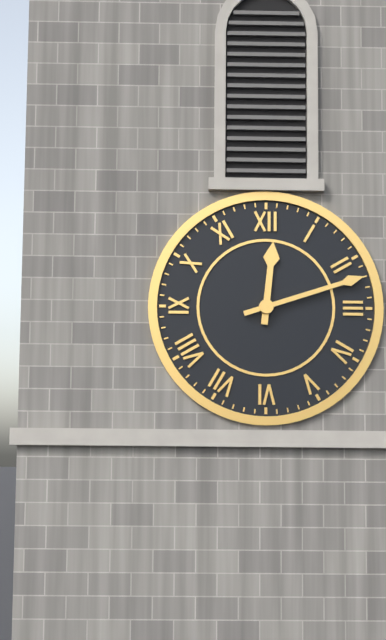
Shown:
12 h 12 min
